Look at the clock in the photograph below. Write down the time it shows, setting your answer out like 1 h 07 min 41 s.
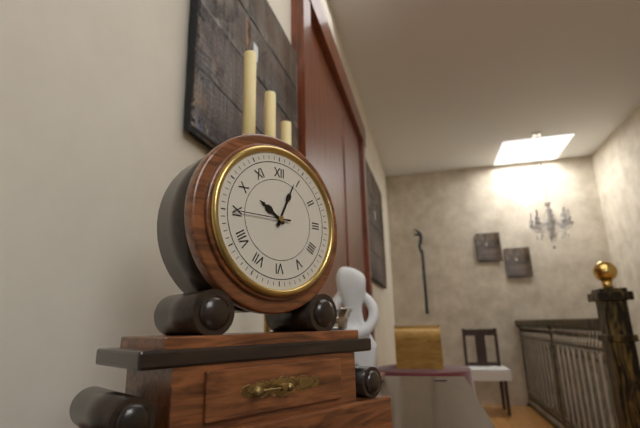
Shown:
10 h 04 min 45 s
